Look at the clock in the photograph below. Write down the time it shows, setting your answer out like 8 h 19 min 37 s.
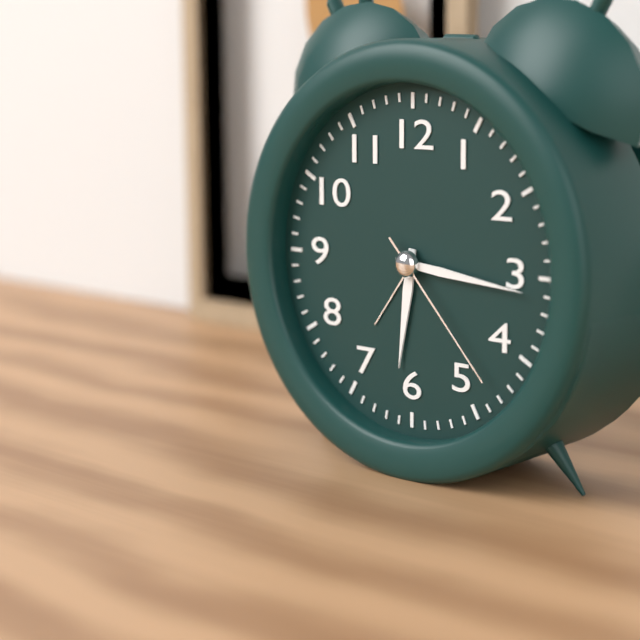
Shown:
6 h 16 min 23 s
